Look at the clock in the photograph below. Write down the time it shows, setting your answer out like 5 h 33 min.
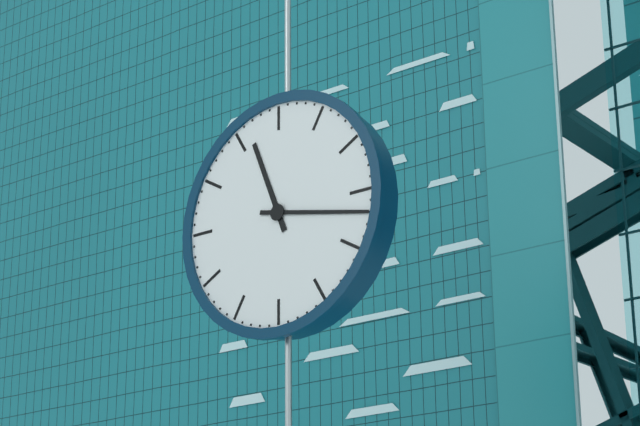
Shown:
11 h 17 min
